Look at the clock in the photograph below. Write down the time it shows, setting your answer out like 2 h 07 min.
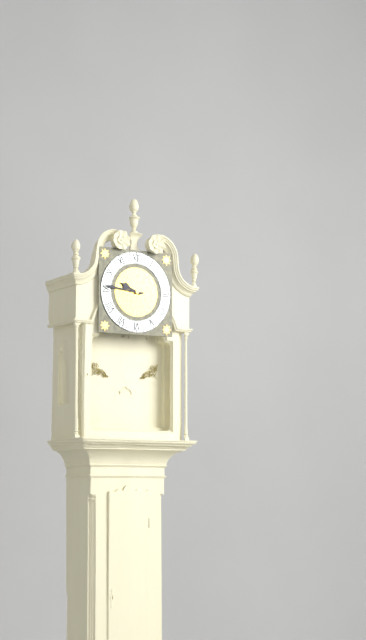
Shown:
9 h 46 min
